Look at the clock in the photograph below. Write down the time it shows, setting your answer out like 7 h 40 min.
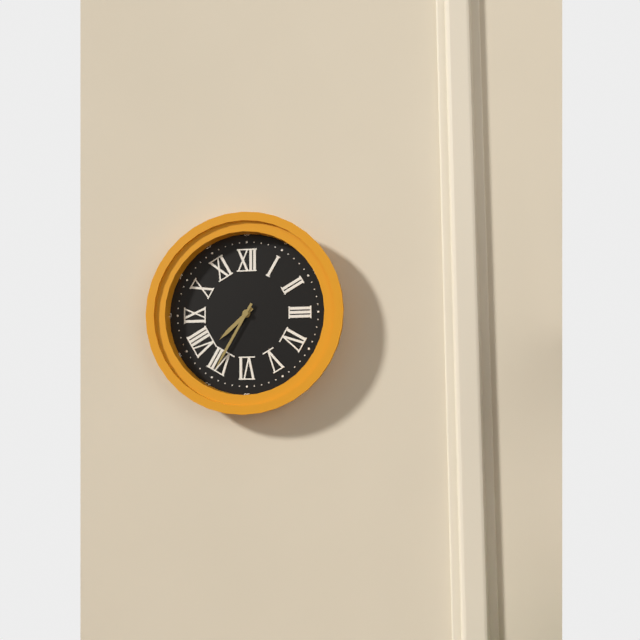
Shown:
7 h 35 min
